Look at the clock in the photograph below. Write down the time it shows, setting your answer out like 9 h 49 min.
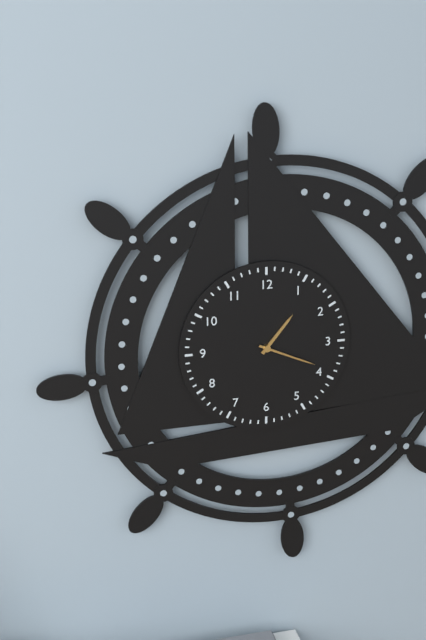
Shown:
1 h 19 min
